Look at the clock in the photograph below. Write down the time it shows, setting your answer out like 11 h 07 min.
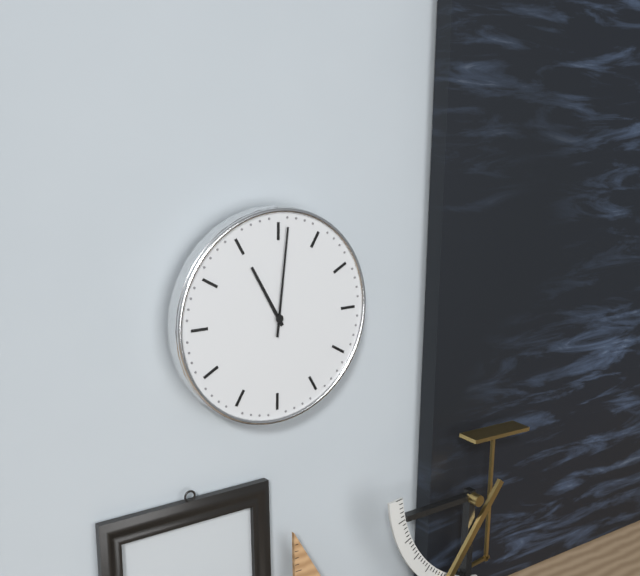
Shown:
11 h 01 min
